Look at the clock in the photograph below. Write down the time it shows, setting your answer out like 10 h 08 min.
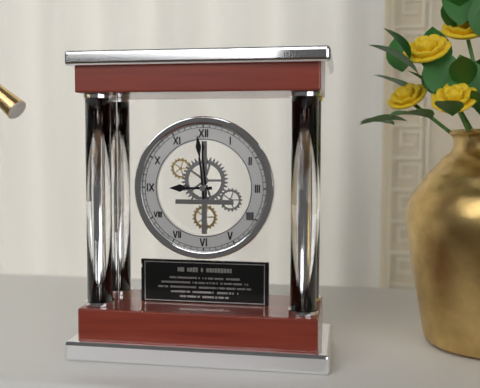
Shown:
8 h 59 min
